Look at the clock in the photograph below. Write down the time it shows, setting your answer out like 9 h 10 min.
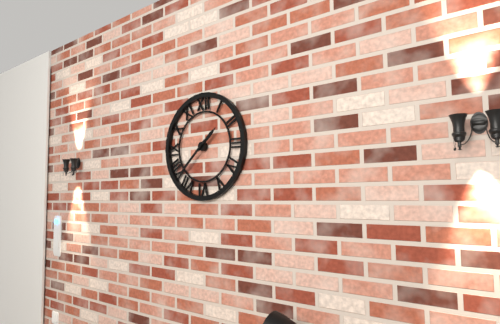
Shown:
1 h 38 min
